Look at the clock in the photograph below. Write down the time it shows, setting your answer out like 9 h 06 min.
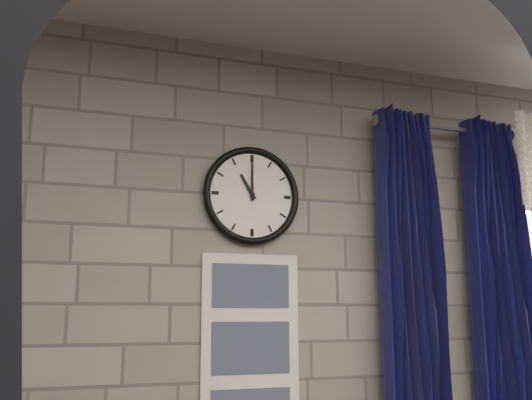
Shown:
11 h 00 min
